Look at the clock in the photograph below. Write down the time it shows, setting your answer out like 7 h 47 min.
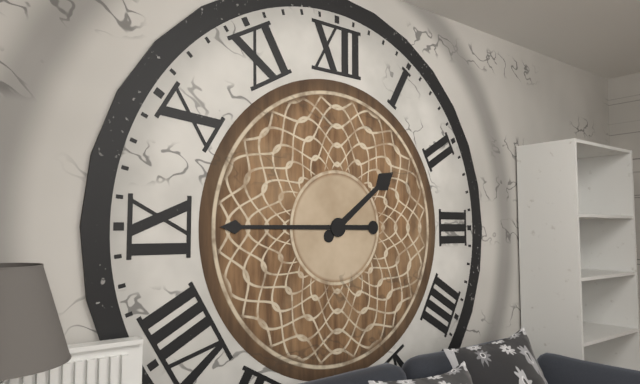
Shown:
1 h 45 min
